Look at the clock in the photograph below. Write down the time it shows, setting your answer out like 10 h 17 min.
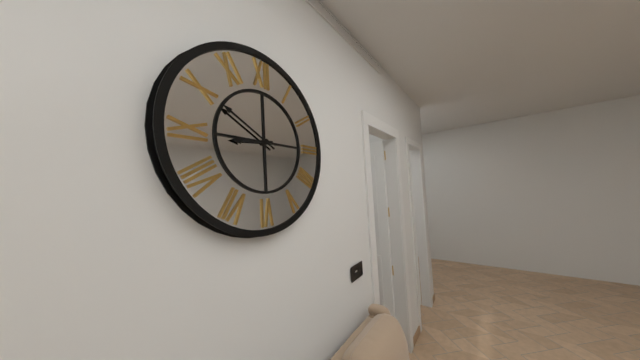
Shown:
8 h 50 min
